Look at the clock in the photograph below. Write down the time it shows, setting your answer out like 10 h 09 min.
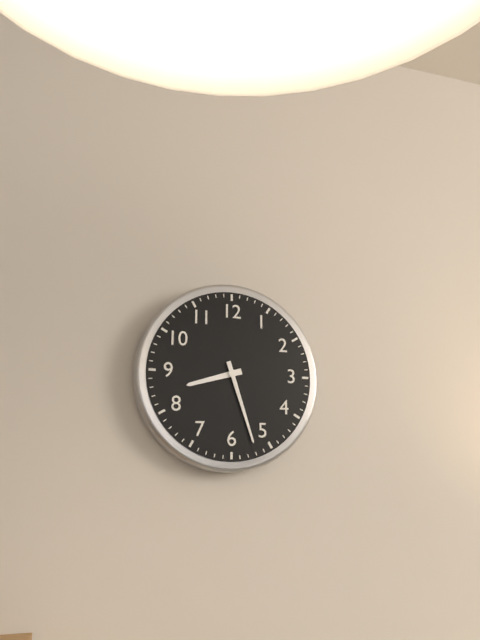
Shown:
8 h 27 min
